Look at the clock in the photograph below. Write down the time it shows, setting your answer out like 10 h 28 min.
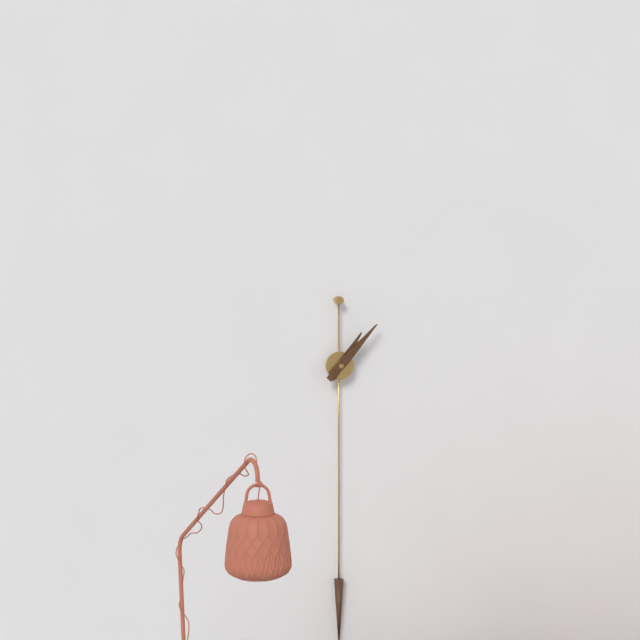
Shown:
1 h 07 min
